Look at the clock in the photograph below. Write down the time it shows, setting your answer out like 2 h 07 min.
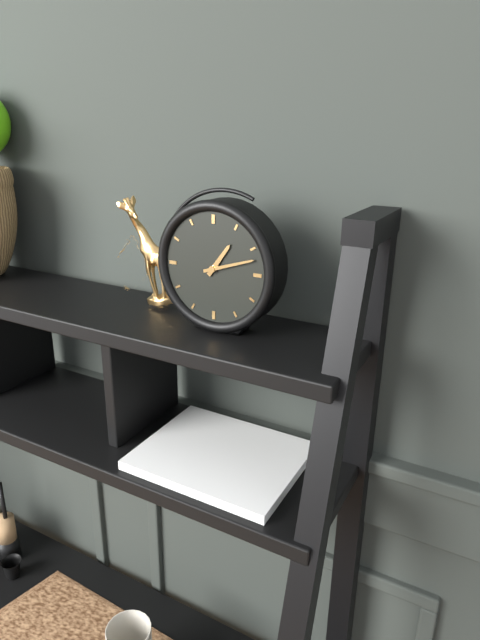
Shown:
1 h 12 min
